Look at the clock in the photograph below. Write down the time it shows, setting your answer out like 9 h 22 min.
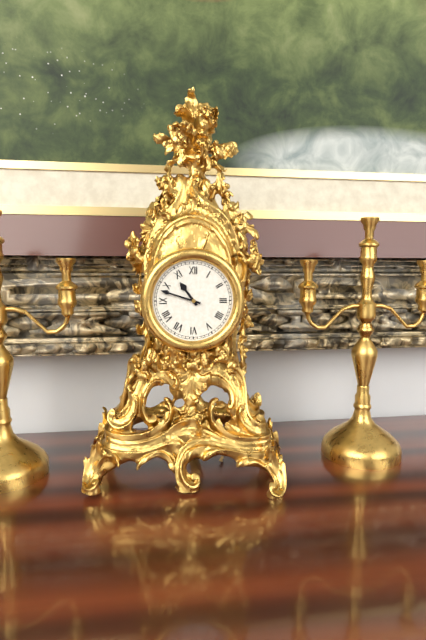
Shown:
10 h 48 min
